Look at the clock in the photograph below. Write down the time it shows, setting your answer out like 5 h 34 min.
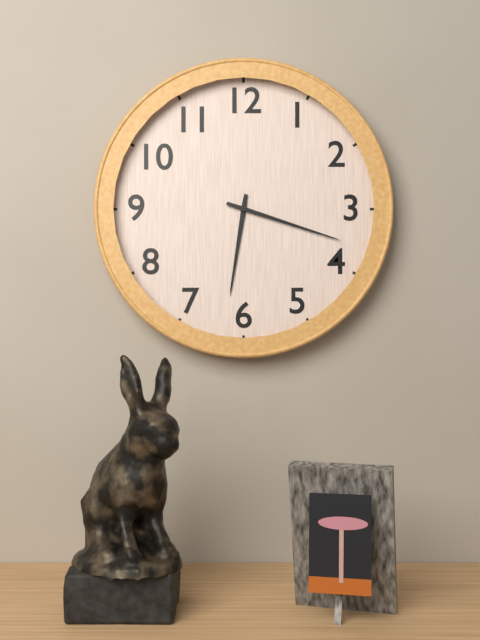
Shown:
6 h 18 min
